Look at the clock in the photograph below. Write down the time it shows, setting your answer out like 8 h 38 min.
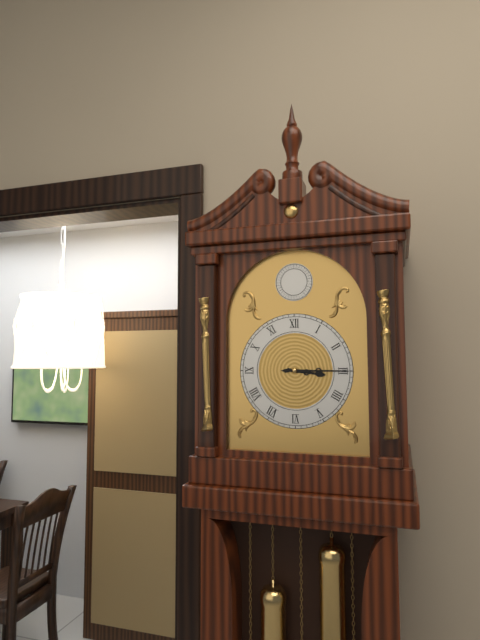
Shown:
3 h 15 min
